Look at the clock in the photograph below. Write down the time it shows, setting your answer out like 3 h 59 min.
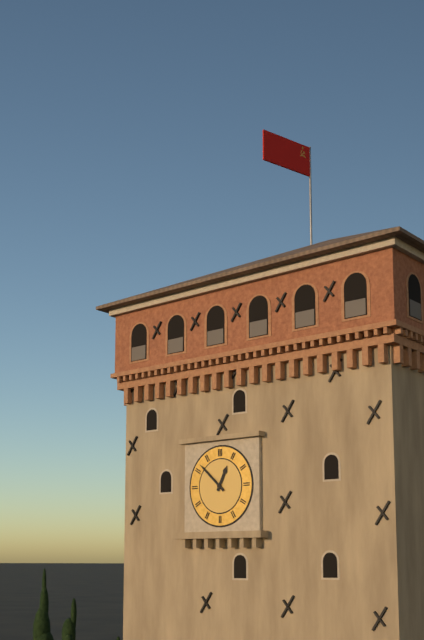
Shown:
12 h 52 min
